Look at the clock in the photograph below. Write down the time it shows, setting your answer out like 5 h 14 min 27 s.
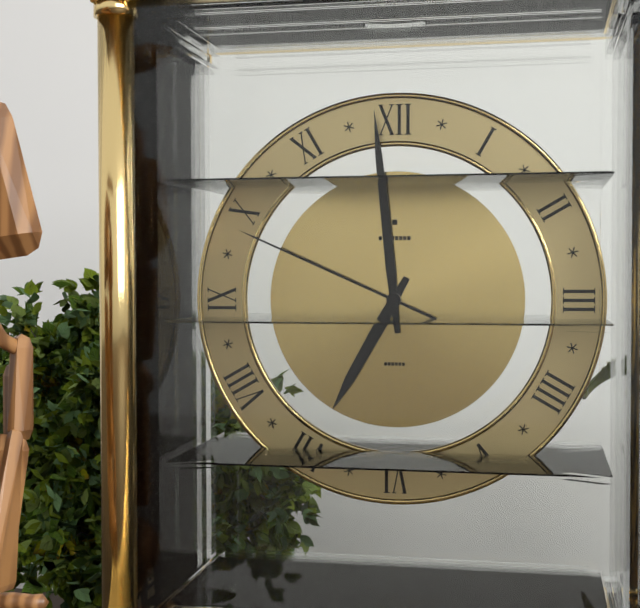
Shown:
6 h 59 min 49 s
